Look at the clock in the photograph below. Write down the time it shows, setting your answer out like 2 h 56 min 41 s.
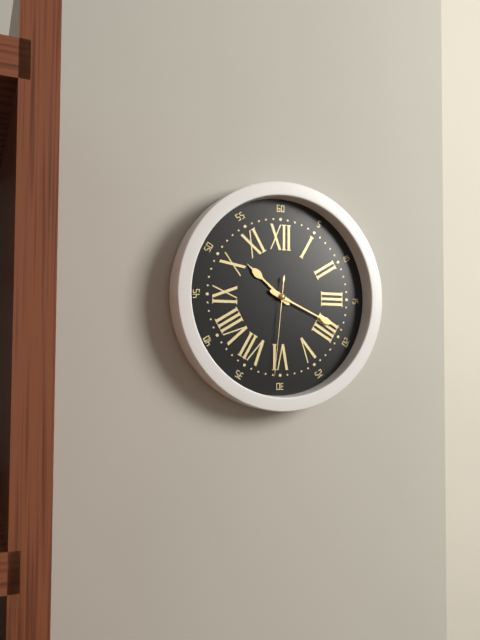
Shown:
10 h 19 min 31 s
